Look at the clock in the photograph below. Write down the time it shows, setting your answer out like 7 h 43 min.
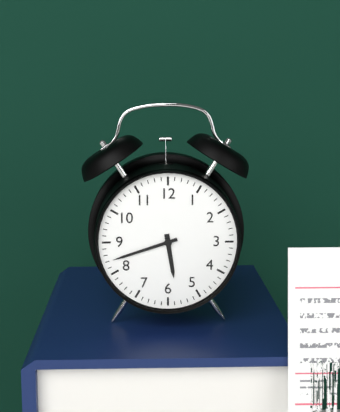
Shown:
5 h 42 min
